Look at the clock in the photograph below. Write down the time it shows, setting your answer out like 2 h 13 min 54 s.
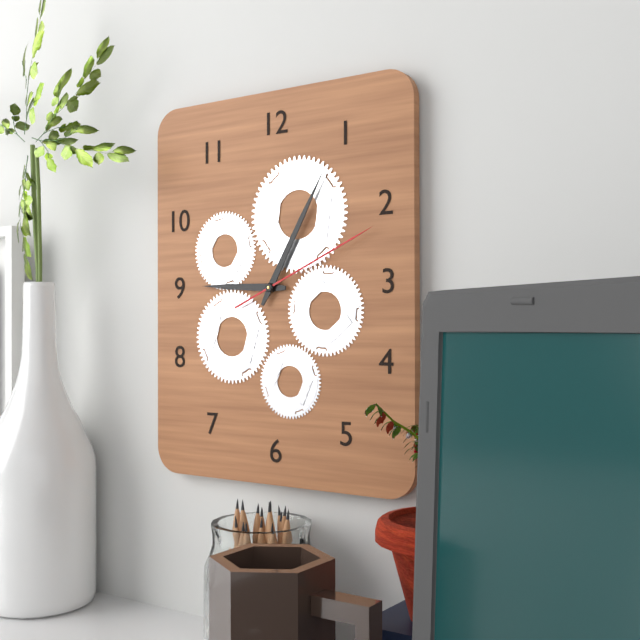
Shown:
9 h 05 min 11 s
